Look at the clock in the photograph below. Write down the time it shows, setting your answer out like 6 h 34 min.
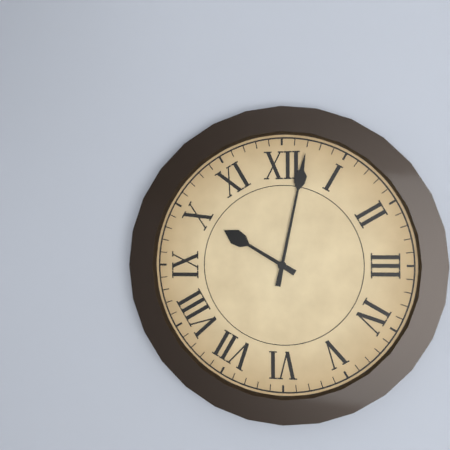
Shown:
10 h 02 min
